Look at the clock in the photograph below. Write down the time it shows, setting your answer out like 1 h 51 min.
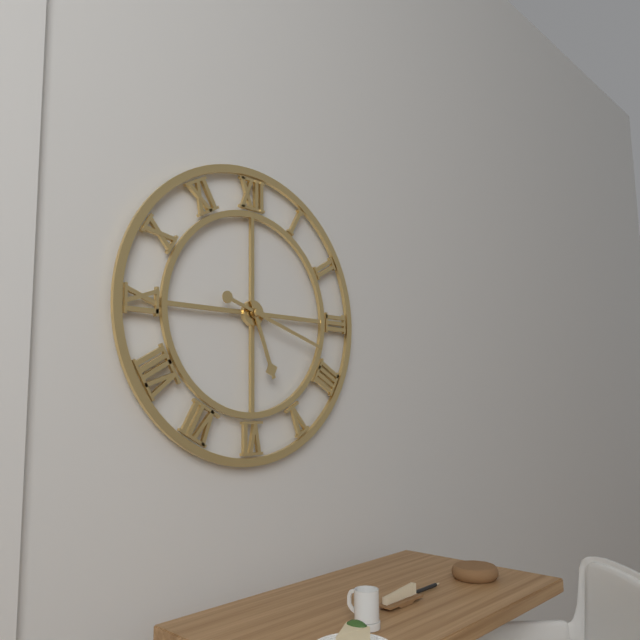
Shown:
5 h 18 min
